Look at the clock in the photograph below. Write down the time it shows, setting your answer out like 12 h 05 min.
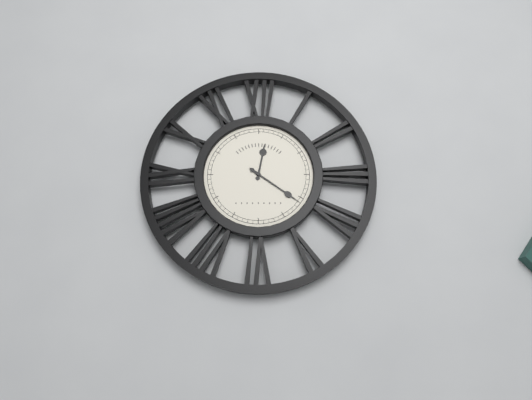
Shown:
12 h 21 min
